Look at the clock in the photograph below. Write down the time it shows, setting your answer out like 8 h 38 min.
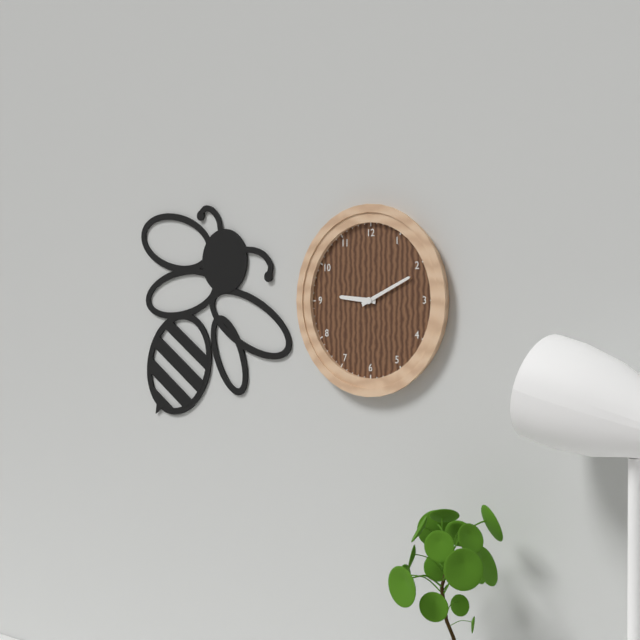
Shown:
9 h 11 min
